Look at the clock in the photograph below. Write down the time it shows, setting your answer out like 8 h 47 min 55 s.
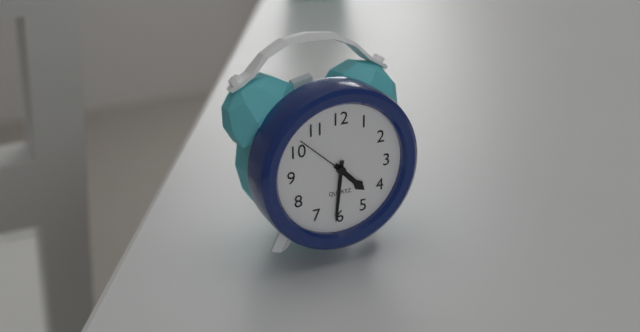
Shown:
4 h 31 min 52 s
